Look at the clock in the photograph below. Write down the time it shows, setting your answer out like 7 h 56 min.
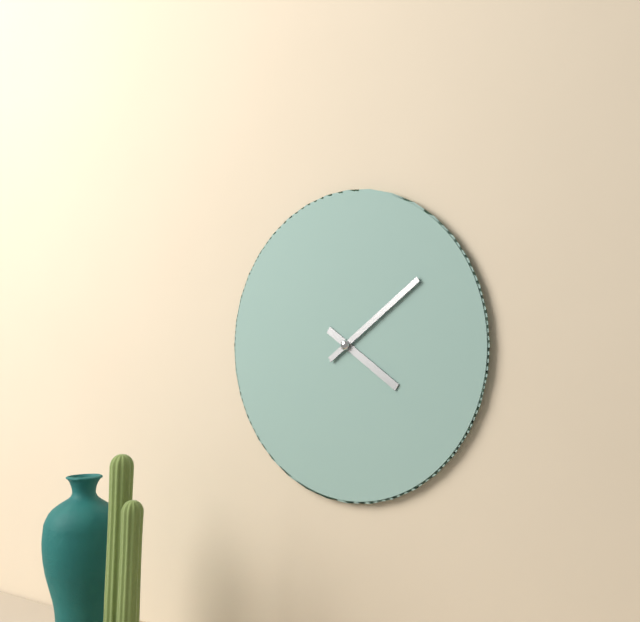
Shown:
4 h 09 min
